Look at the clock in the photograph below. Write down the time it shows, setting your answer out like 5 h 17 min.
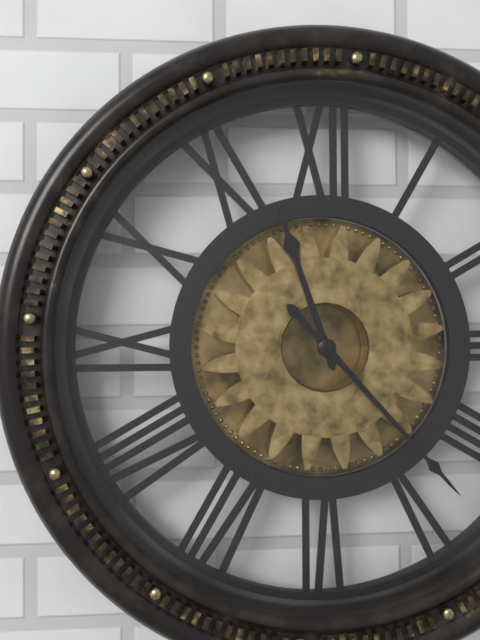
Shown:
11 h 23 min
